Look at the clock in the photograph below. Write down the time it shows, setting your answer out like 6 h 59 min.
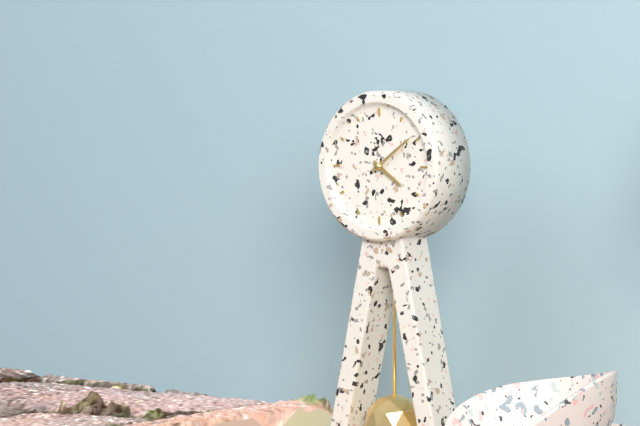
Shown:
4 h 09 min
